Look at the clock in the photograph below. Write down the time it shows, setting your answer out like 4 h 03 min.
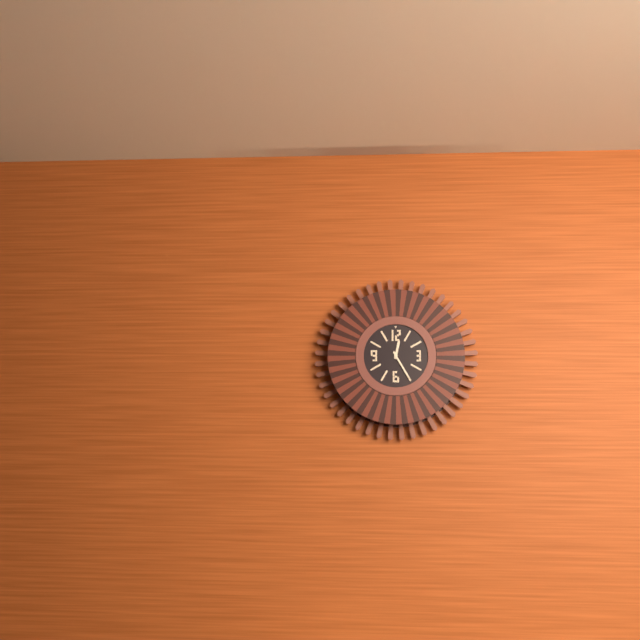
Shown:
12 h 25 min
